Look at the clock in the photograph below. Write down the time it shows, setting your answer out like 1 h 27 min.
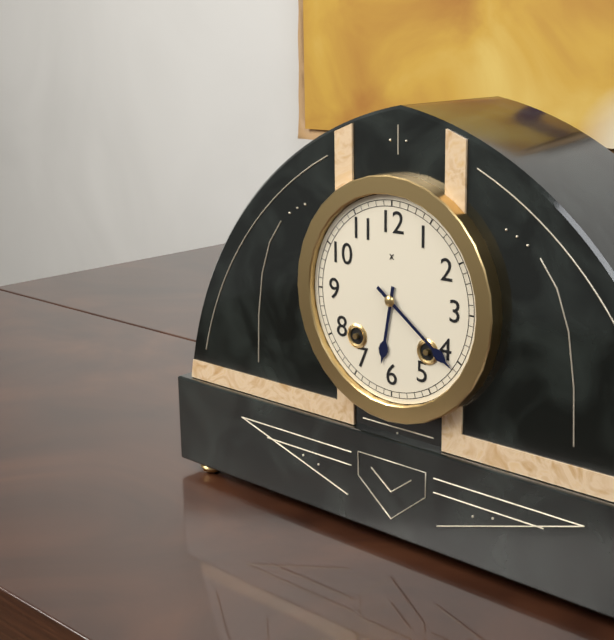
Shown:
6 h 21 min
